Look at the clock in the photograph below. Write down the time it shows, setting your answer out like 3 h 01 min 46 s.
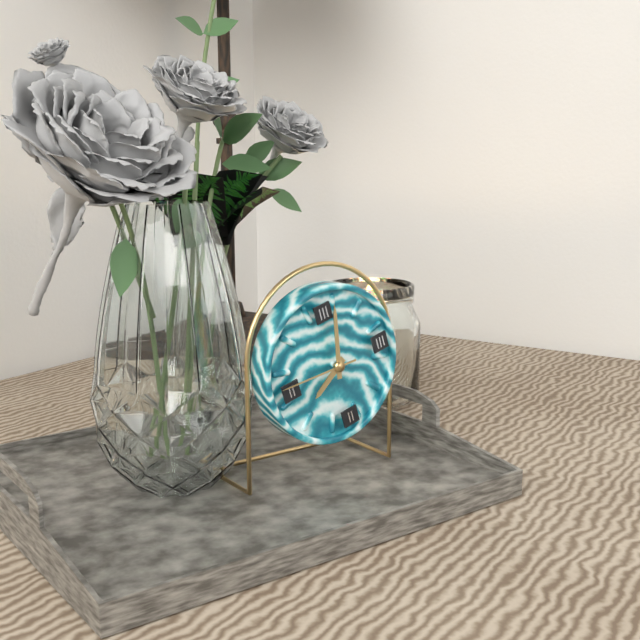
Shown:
8 h 02 min 46 s
